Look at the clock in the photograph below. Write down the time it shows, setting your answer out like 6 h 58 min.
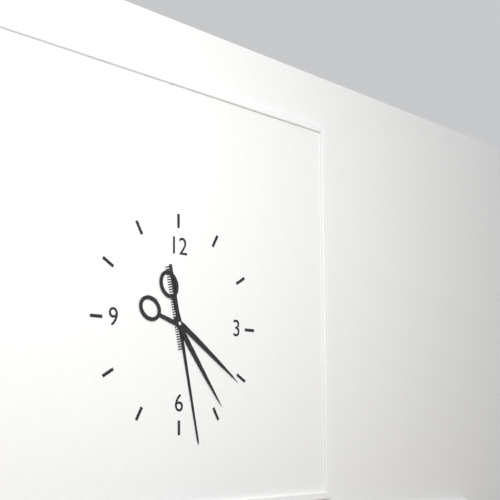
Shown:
4 h 28 min
